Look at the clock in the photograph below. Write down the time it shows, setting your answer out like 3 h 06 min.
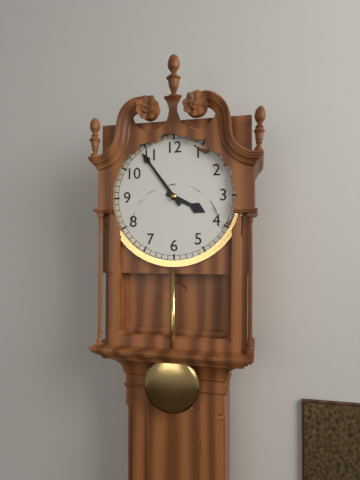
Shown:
3 h 54 min
